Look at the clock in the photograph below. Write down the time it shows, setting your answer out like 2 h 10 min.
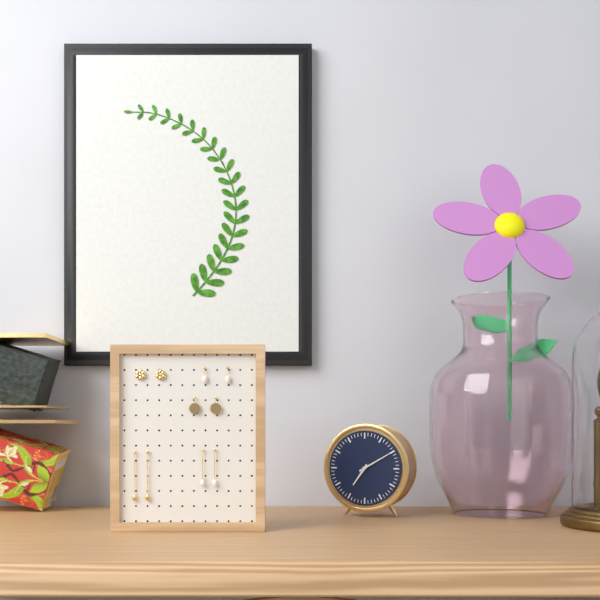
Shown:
7 h 10 min
